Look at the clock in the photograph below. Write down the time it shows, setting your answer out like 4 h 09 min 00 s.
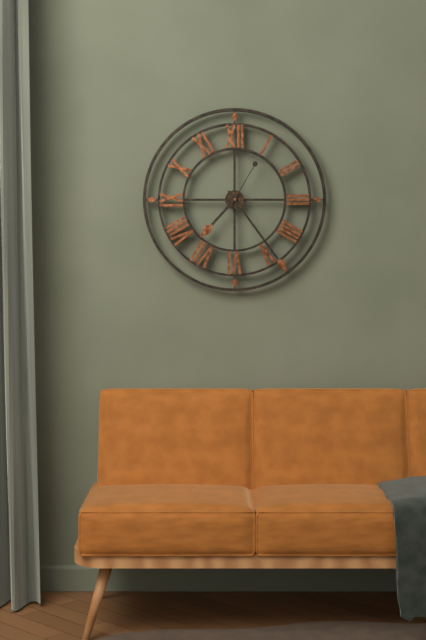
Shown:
7 h 24 min 05 s
